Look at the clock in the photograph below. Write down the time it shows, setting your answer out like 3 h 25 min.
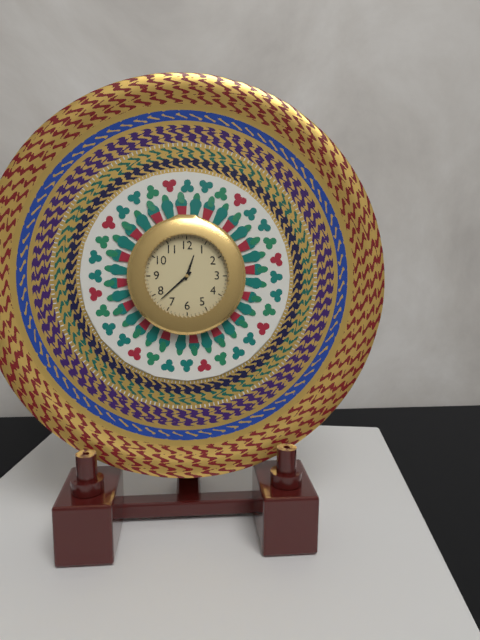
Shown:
12 h 38 min
